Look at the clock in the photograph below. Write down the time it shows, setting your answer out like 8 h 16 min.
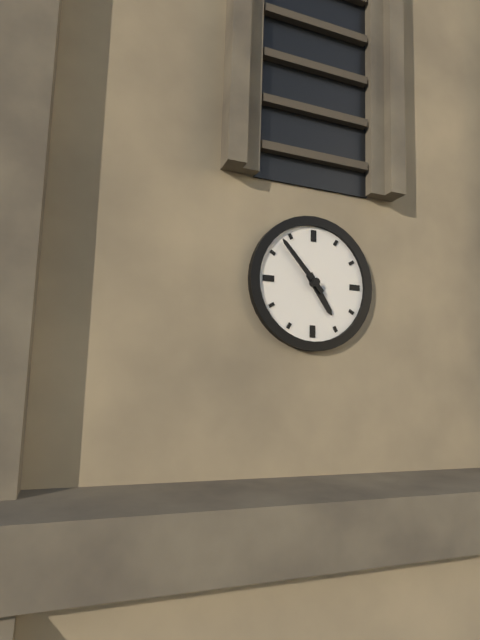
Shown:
4 h 53 min
